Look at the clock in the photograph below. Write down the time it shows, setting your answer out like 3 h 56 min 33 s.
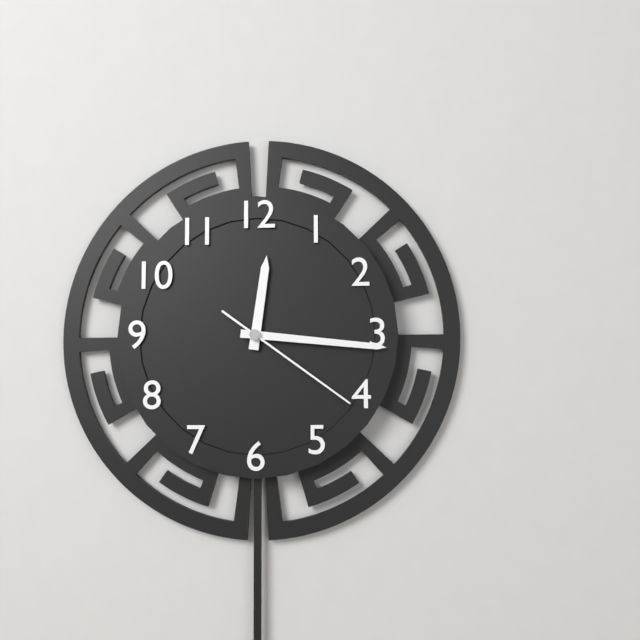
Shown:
12 h 16 min 21 s
